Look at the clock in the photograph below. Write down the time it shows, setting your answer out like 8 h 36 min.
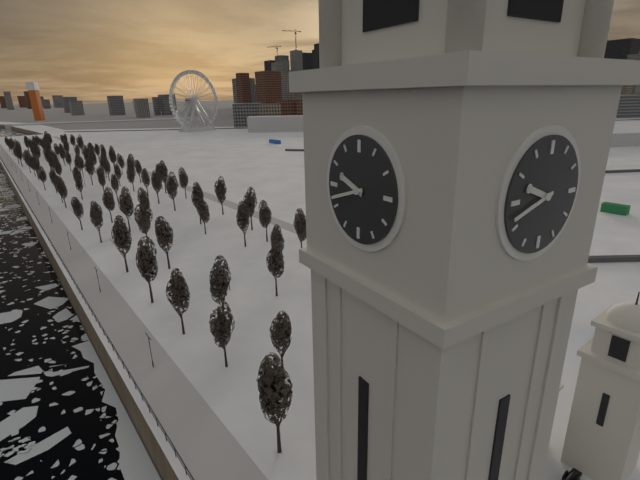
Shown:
9 h 42 min
